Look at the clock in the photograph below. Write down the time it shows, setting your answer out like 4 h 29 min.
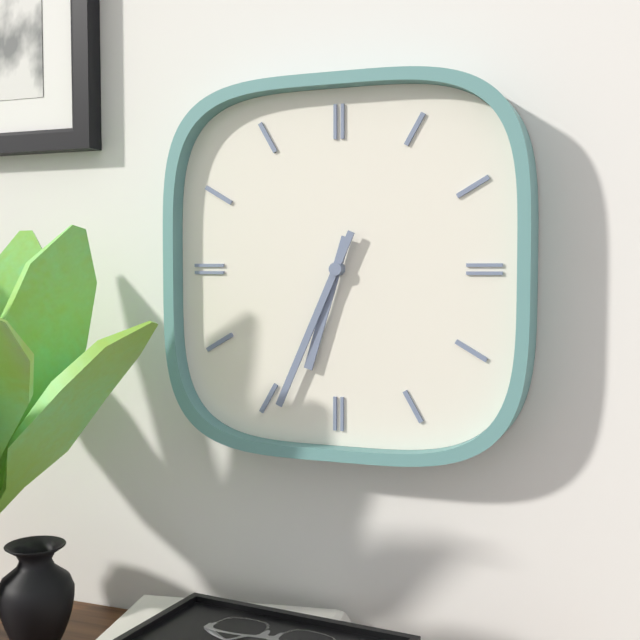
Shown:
6 h 34 min
